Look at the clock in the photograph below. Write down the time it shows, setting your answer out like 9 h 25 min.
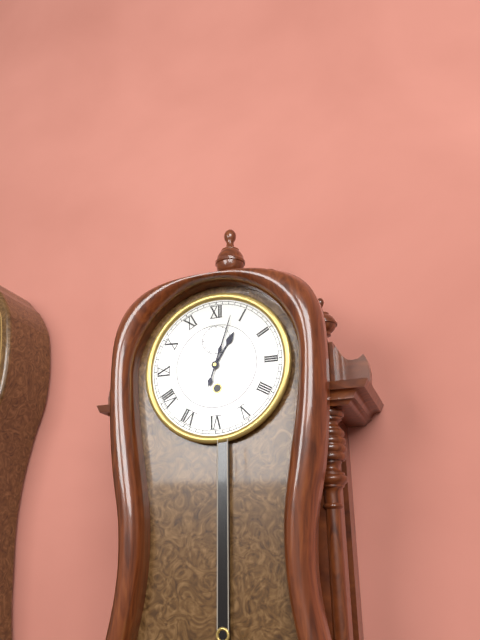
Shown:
1 h 03 min
